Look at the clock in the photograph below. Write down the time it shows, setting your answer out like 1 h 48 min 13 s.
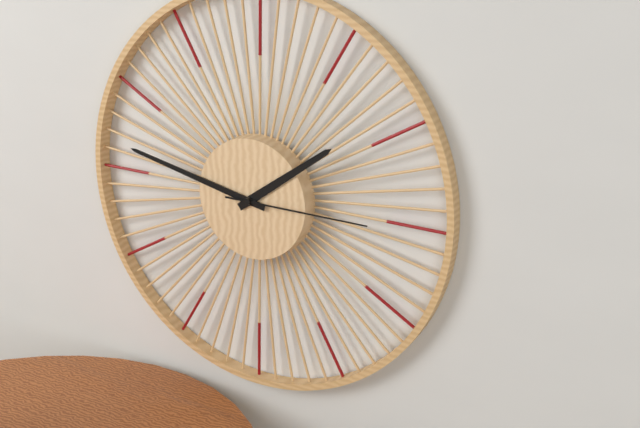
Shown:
1 h 47 min 15 s
